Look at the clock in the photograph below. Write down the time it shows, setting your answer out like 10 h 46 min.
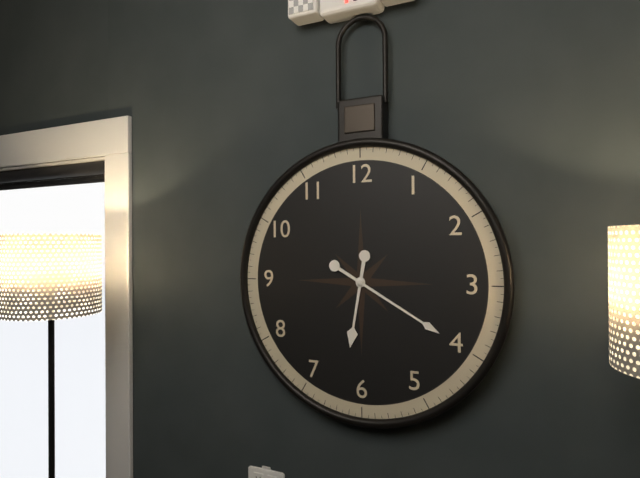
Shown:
6 h 20 min
